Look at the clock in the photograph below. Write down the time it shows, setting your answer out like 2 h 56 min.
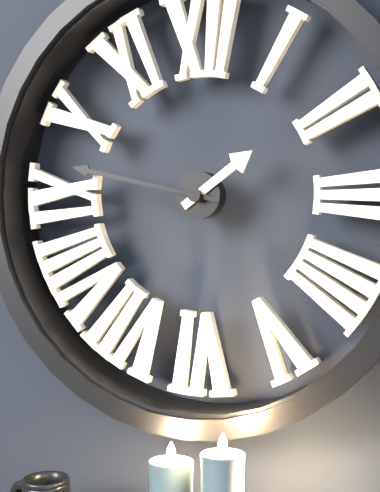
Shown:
1 h 47 min
